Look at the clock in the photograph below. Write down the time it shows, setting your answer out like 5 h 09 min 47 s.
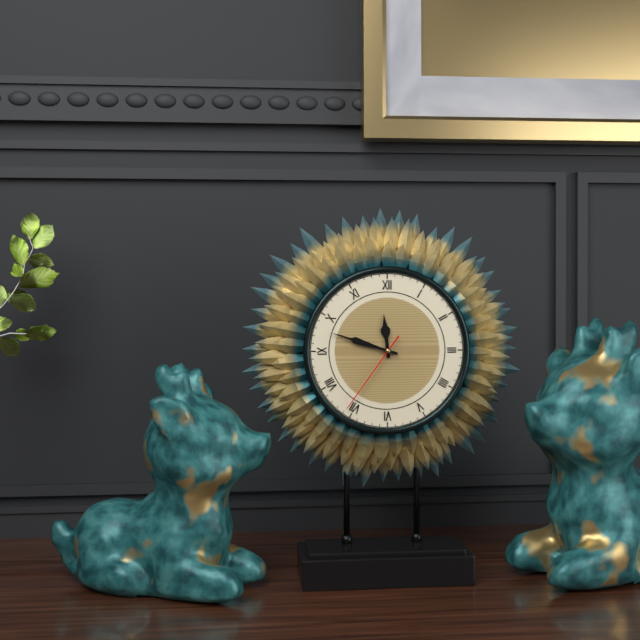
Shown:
11 h 48 min 36 s
